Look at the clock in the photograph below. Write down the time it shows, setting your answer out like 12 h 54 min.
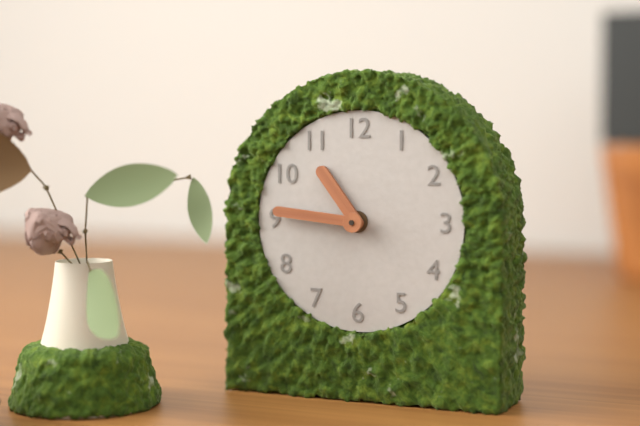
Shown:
10 h 46 min
